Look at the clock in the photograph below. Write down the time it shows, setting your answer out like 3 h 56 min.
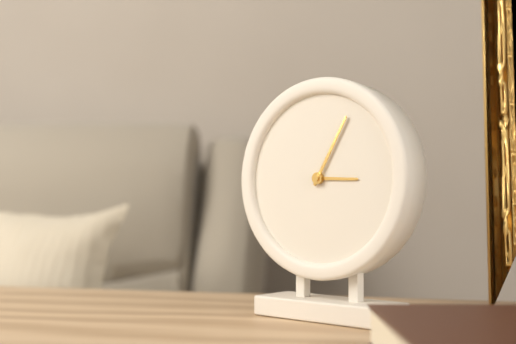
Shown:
3 h 05 min
